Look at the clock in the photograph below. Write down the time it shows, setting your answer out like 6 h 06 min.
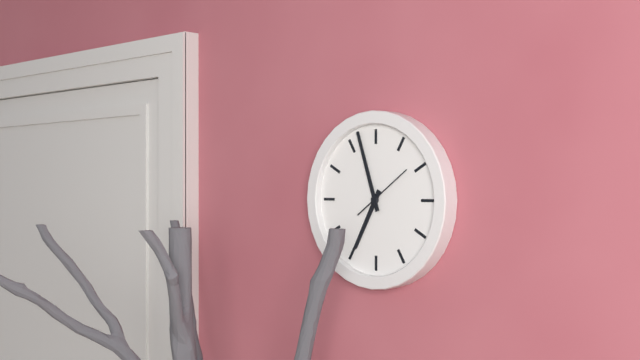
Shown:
6 h 57 min
